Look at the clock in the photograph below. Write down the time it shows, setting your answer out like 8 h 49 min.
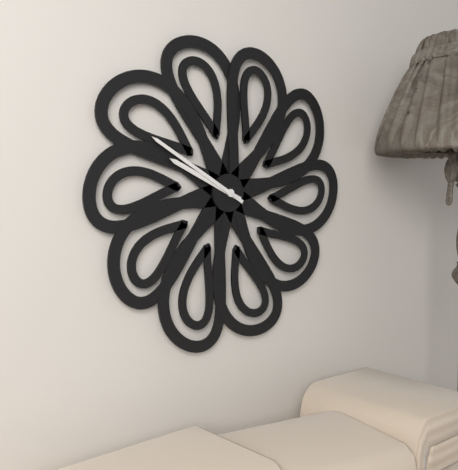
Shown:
9 h 50 min
